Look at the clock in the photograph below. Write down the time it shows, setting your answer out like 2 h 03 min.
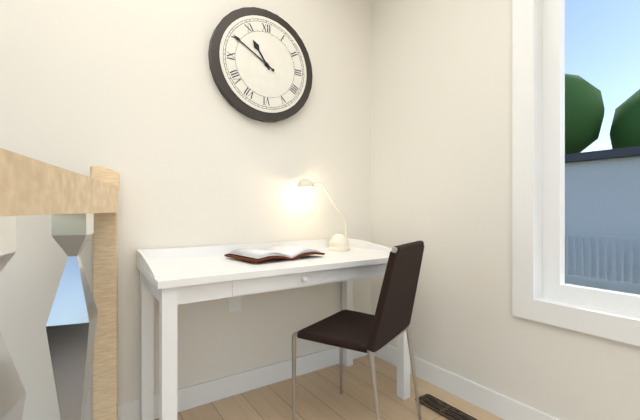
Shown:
10 h 50 min
